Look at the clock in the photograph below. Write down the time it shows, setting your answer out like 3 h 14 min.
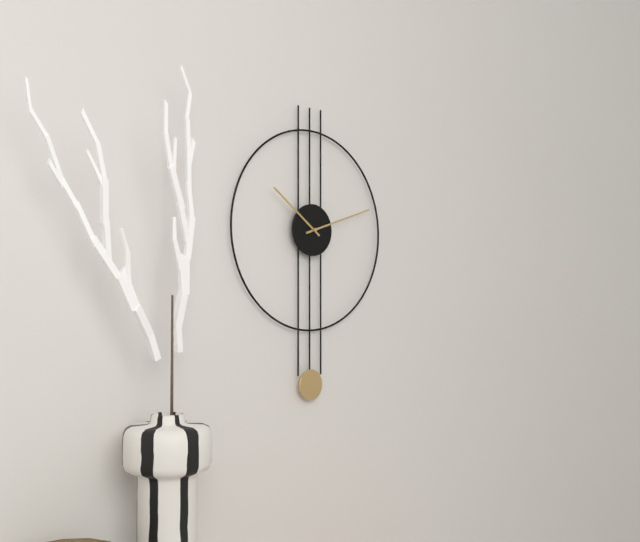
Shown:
10 h 12 min
